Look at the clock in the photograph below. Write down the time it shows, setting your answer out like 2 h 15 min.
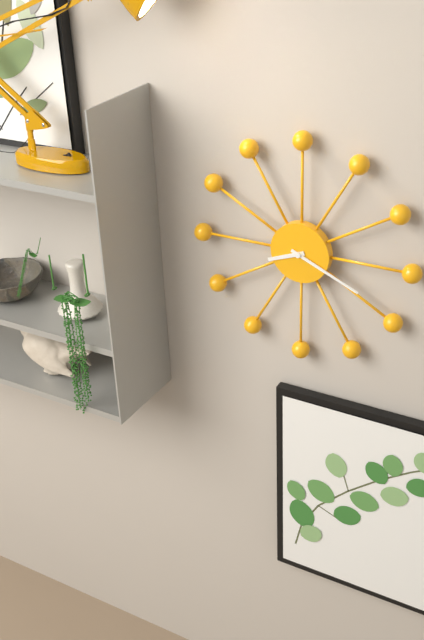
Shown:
8 h 19 min
